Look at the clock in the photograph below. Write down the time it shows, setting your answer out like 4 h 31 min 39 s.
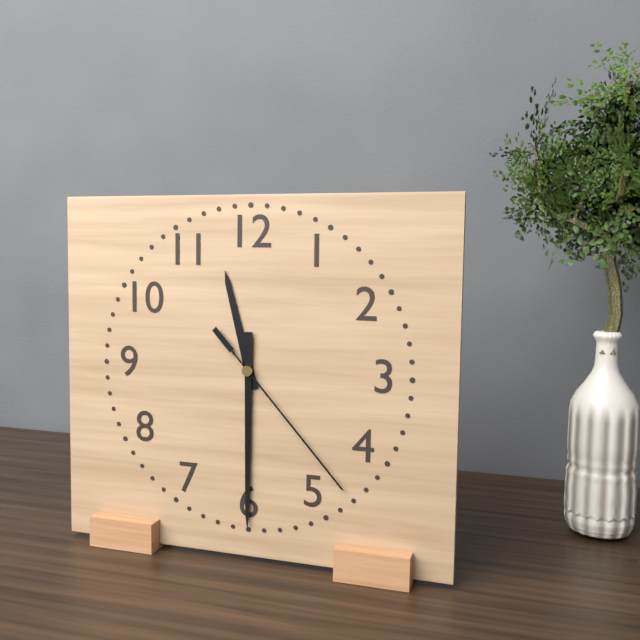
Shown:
11 h 30 min 23 s
